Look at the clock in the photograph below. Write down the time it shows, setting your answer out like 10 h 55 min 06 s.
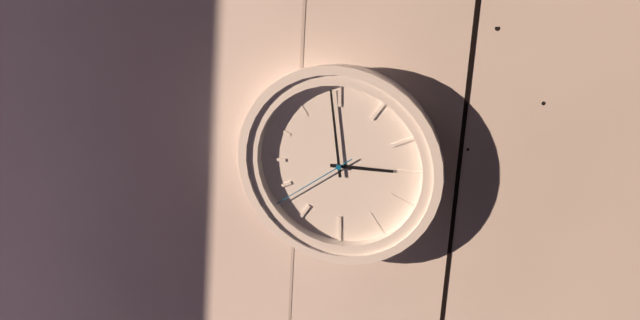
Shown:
2 h 59 min 39 s
